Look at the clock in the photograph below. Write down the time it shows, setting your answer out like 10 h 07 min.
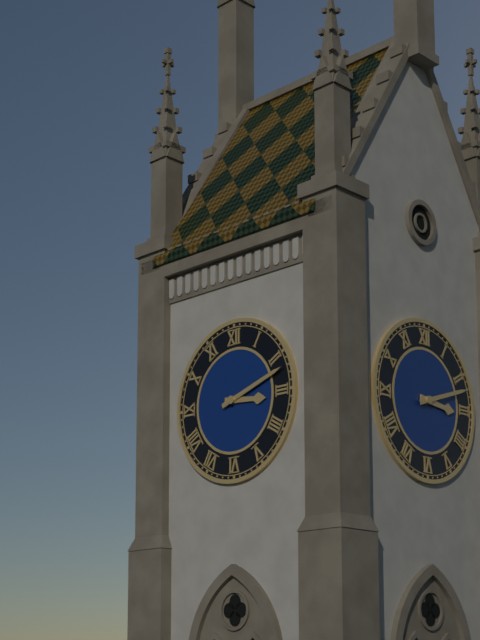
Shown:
3 h 12 min
